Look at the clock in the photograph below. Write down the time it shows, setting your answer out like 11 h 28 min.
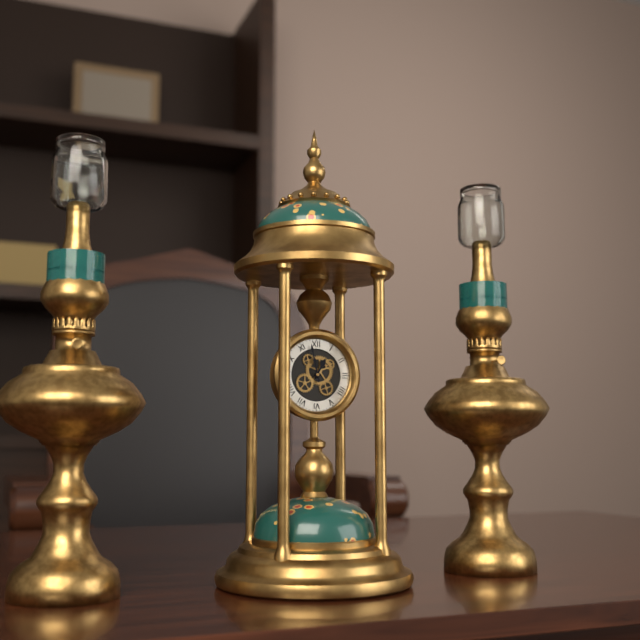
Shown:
12 h 58 min
